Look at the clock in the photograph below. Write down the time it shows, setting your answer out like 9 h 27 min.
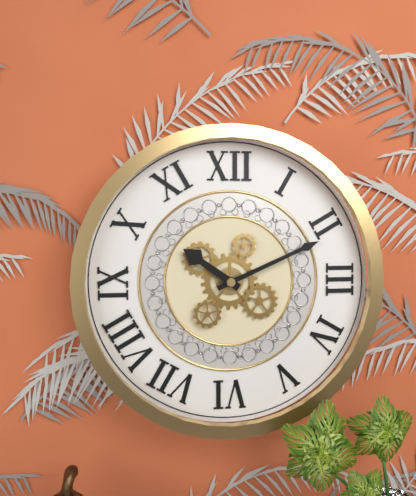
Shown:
10 h 11 min
